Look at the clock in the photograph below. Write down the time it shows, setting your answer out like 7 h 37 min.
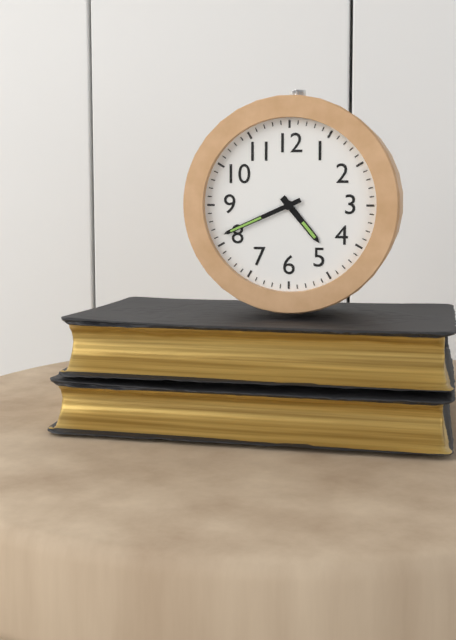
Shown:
4 h 41 min
